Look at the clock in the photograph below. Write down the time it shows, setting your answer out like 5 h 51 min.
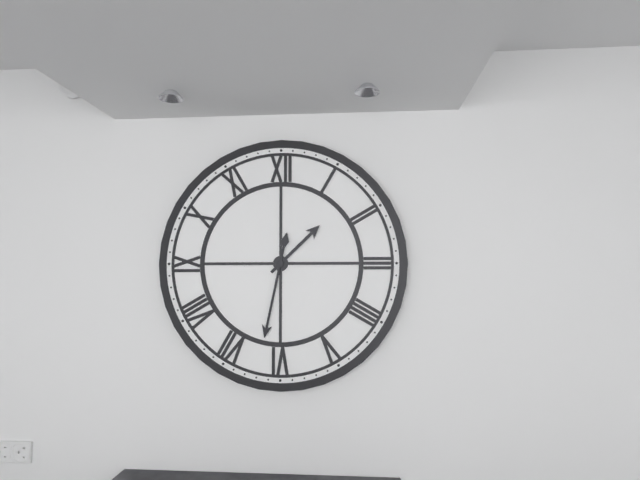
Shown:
1 h 32 min
